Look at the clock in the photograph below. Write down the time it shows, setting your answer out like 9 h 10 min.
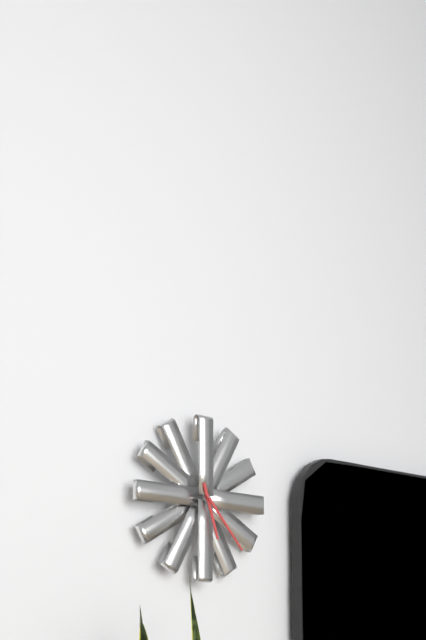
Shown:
5 h 23 min
